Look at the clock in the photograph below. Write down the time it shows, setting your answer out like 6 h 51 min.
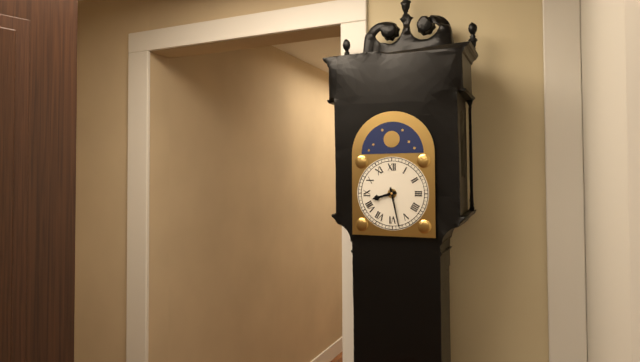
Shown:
8 h 28 min
